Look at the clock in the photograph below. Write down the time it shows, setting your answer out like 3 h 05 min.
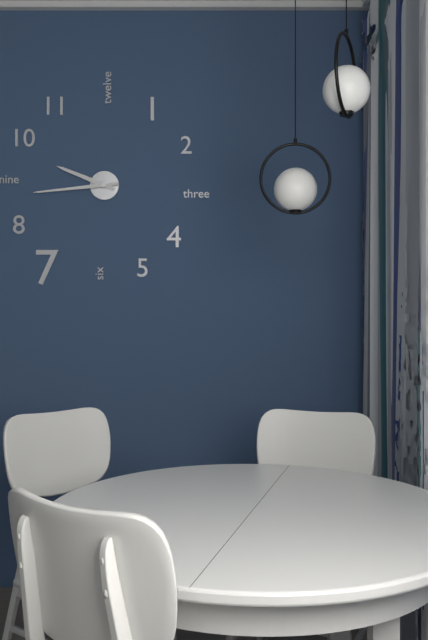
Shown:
9 h 44 min
